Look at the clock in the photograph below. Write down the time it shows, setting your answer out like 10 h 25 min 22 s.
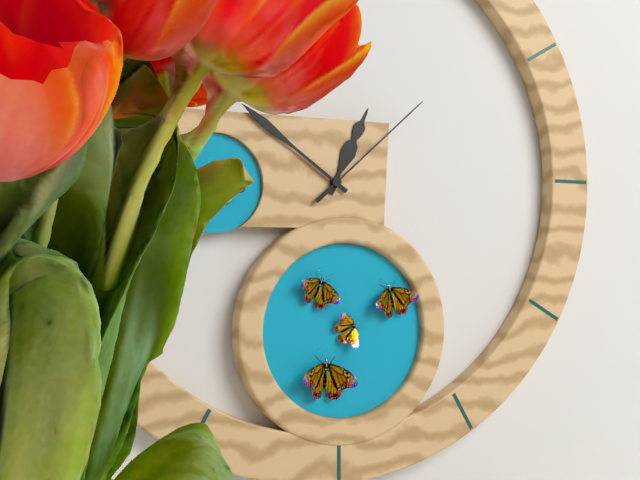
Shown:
12 h 51 min 08 s
